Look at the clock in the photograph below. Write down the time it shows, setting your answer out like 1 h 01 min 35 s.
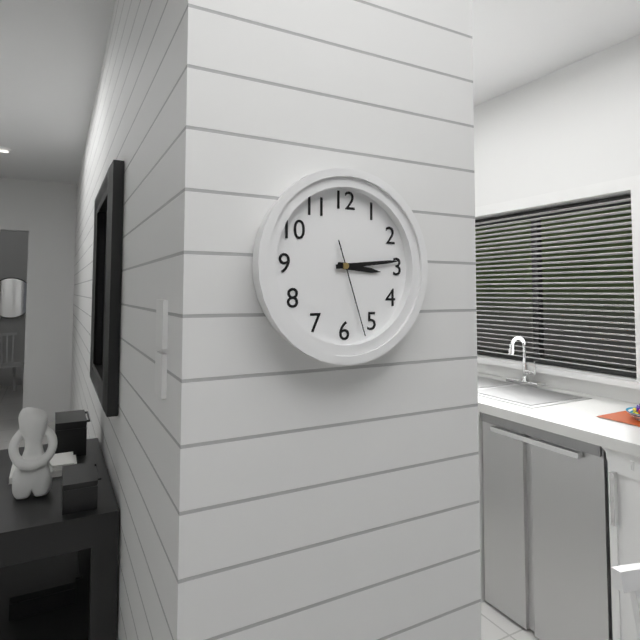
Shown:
3 h 14 min 27 s
